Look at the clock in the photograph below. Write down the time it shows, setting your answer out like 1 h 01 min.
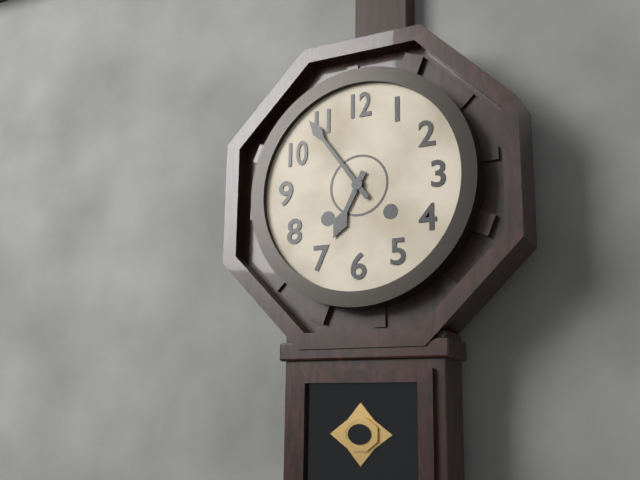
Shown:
6 h 54 min
